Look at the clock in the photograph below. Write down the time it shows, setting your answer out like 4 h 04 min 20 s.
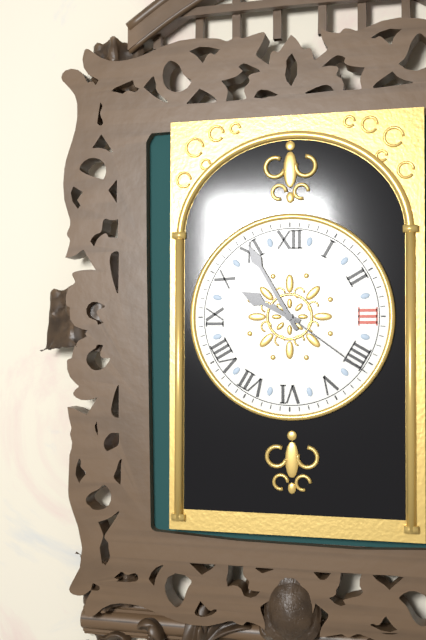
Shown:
9 h 55 min 21 s
